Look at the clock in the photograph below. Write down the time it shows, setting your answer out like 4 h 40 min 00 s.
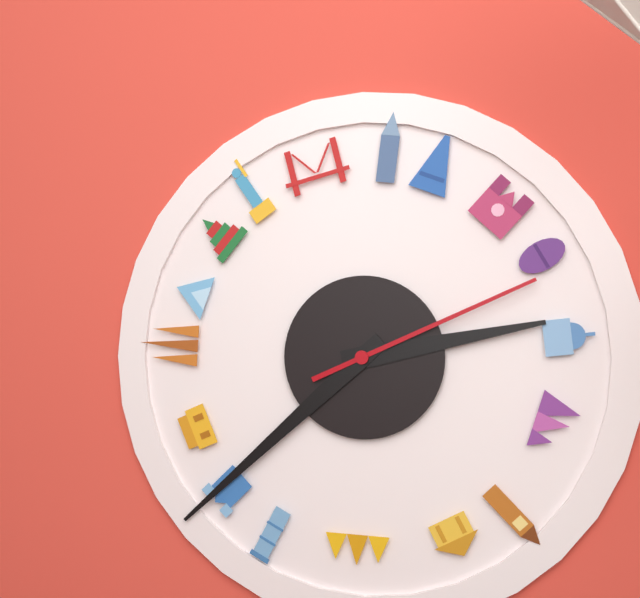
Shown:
2 h 38 min 11 s
